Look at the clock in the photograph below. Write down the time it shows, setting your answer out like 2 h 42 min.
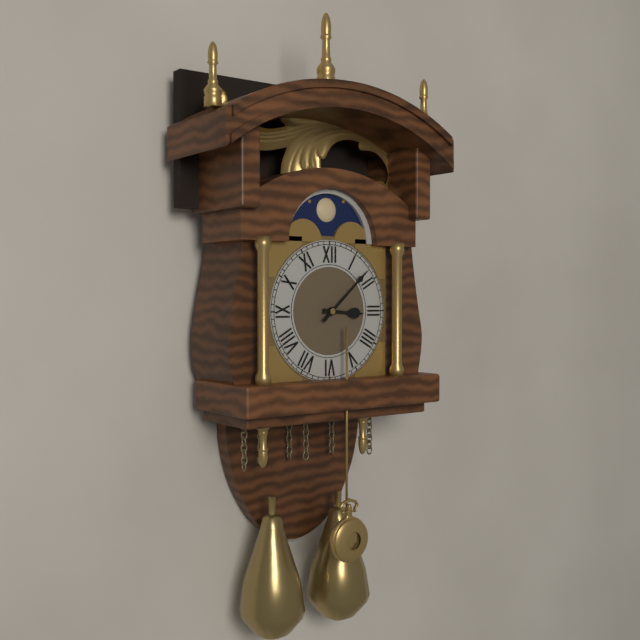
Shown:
3 h 08 min
